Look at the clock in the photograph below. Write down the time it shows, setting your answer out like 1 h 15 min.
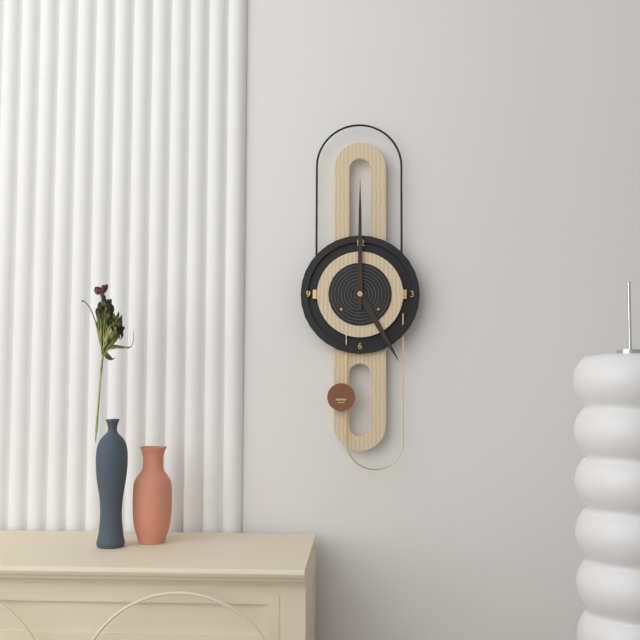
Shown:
5 h 00 min
